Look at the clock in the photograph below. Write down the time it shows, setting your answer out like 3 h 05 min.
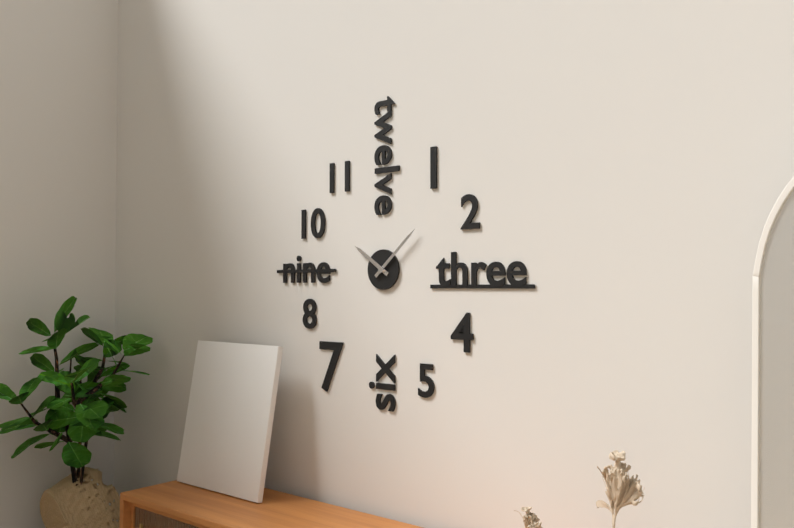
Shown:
10 h 08 min
